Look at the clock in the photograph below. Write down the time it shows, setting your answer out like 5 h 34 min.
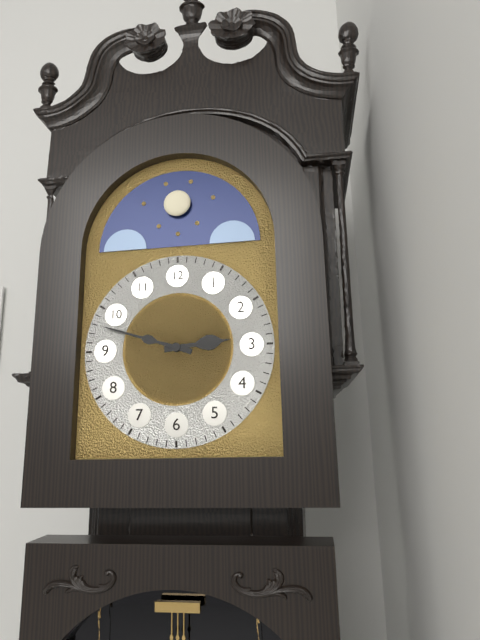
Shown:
2 h 48 min
